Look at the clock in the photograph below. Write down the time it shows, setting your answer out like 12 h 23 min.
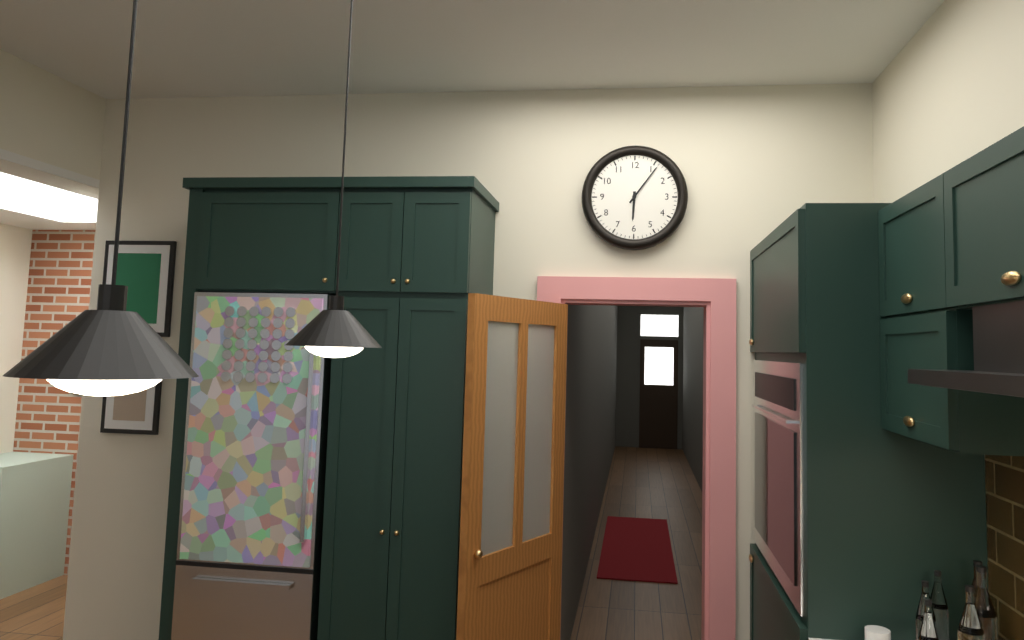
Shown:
6 h 06 min
